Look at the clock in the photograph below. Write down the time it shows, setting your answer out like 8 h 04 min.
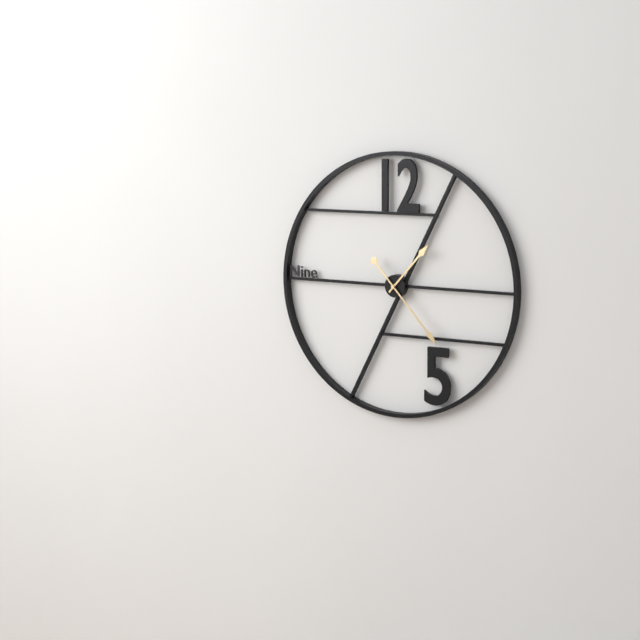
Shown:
1 h 23 min
